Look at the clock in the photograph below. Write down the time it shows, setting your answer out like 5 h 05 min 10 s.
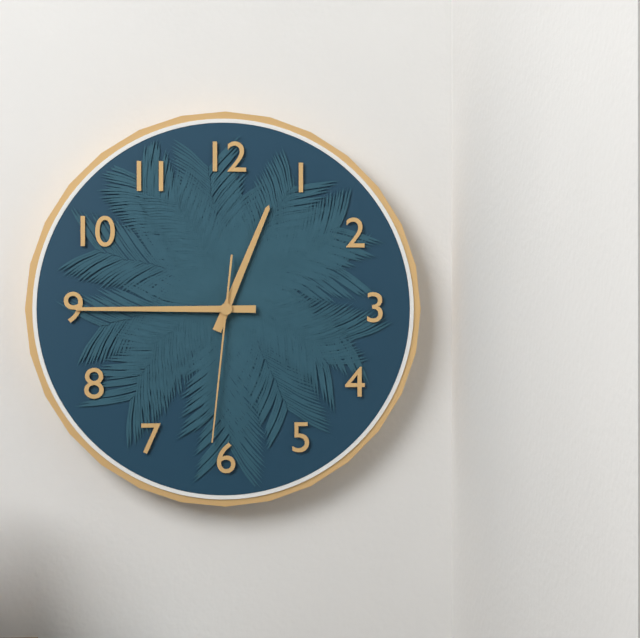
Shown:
12 h 45 min 31 s
